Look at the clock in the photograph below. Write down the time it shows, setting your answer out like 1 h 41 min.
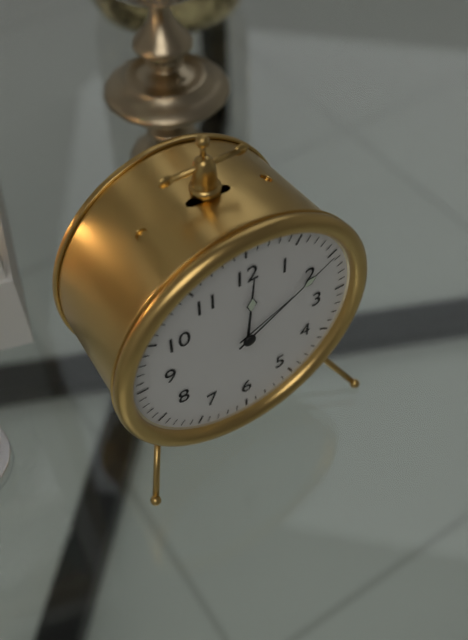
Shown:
12 h 10 min
